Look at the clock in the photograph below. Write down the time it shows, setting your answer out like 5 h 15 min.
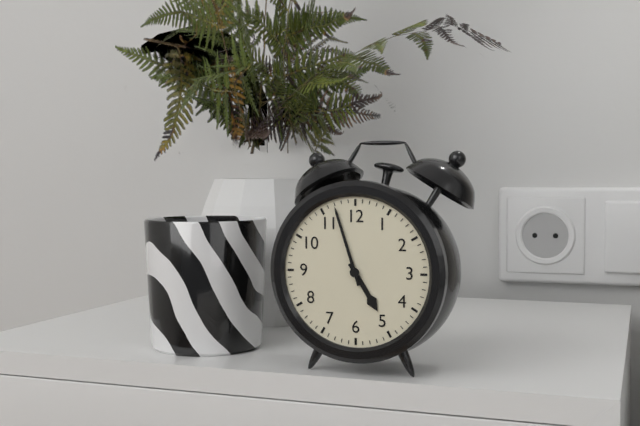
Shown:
4 h 57 min
